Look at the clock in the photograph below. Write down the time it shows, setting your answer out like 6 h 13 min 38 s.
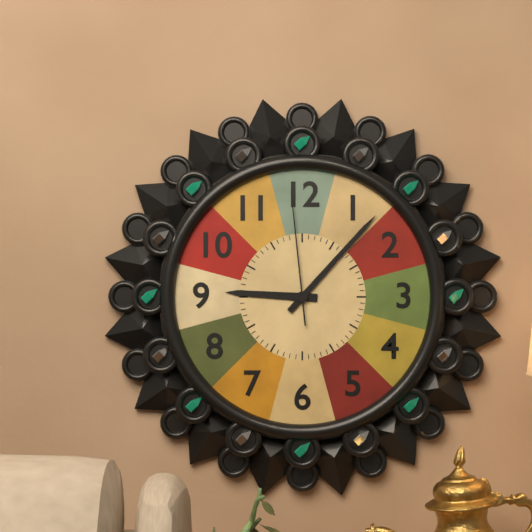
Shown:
9 h 07 min 59 s
